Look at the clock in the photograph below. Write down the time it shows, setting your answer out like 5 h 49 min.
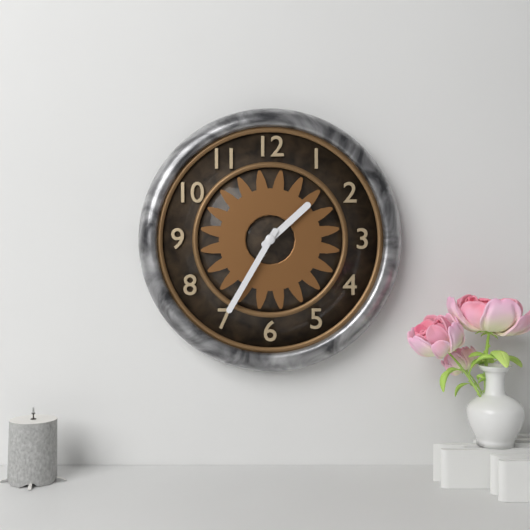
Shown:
1 h 35 min
